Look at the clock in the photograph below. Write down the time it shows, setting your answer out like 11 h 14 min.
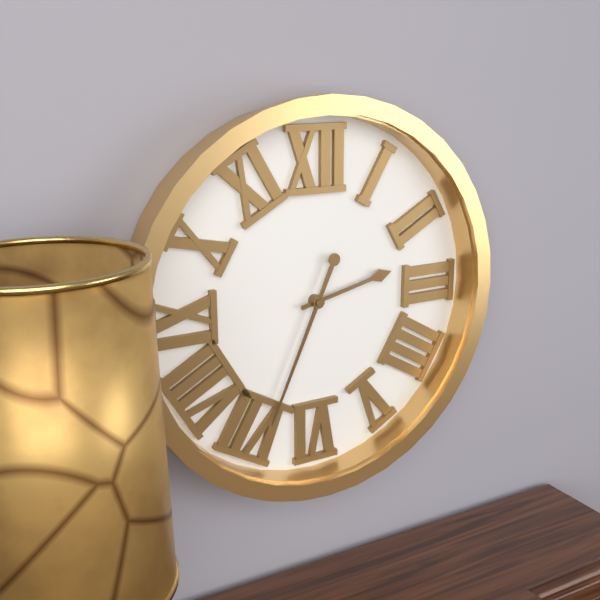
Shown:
2 h 34 min
